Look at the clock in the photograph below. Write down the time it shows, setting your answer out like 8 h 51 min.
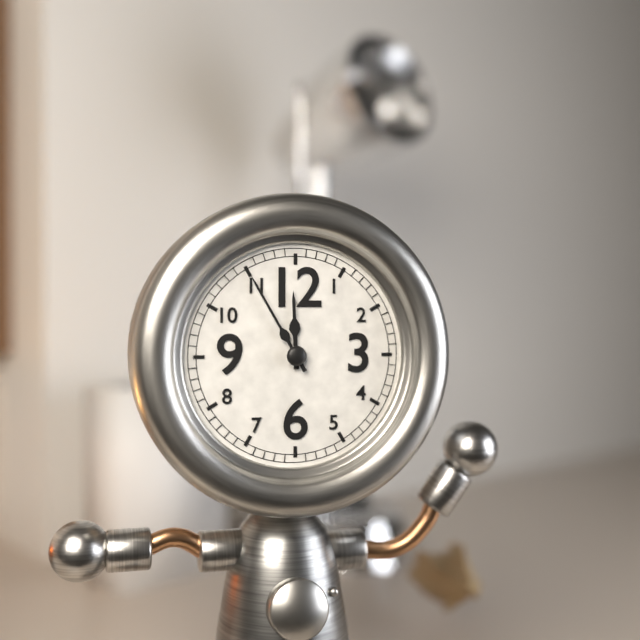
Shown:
11 h 55 min
